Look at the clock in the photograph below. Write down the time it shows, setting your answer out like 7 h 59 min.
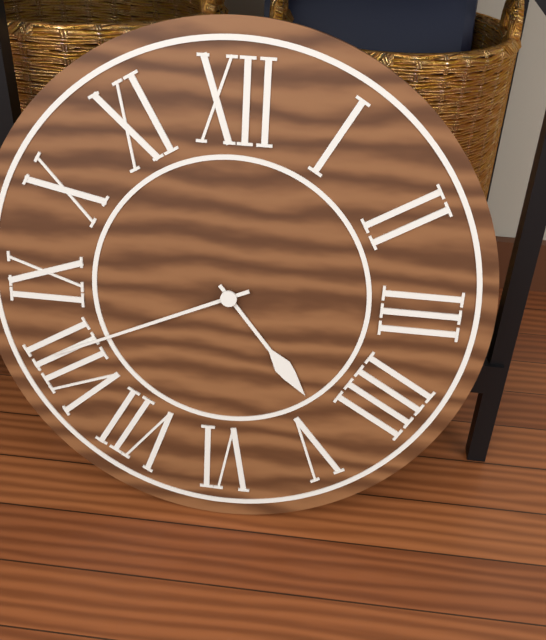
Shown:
4 h 41 min
